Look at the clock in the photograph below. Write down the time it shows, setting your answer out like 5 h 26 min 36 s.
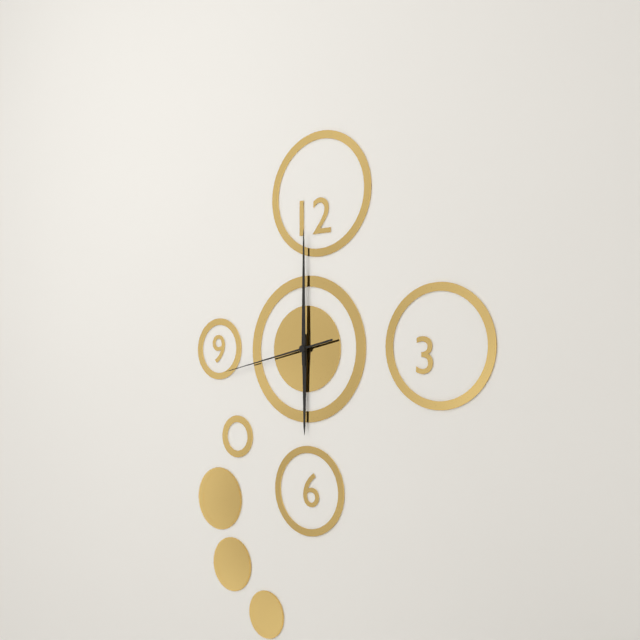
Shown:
6 h 00 min 43 s
